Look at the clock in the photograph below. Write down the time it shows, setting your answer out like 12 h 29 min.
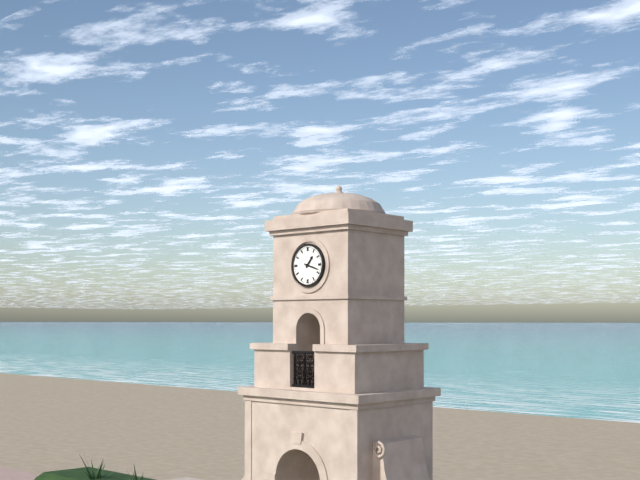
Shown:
1 h 18 min
